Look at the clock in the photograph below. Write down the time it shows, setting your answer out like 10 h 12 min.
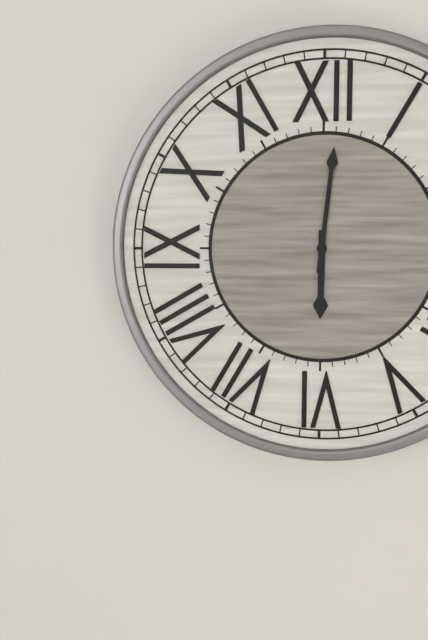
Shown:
6 h 01 min
